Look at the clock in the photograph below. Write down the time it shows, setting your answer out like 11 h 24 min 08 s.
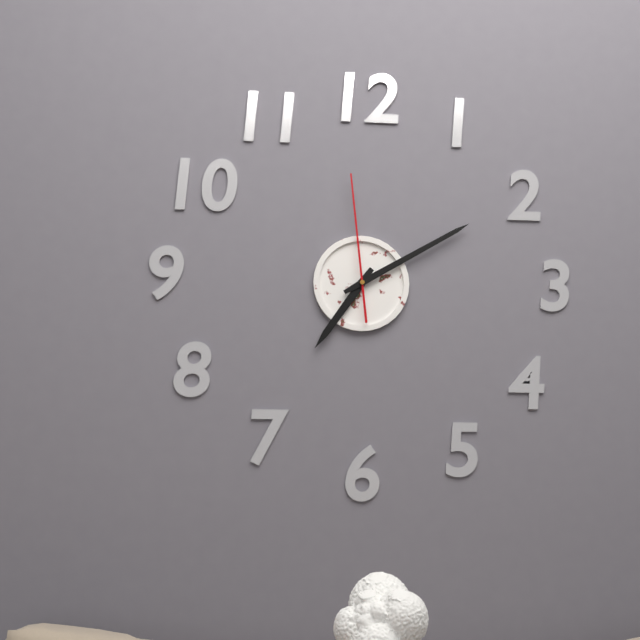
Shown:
7 h 10 min 59 s
